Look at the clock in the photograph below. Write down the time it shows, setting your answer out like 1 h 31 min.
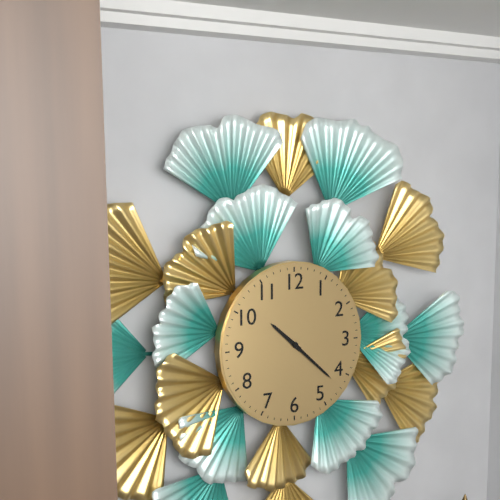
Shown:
10 h 22 min
